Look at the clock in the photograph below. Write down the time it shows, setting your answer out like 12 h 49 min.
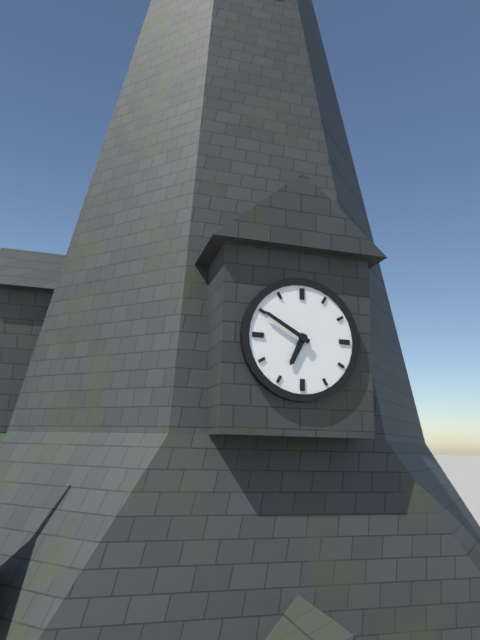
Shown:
6 h 50 min
